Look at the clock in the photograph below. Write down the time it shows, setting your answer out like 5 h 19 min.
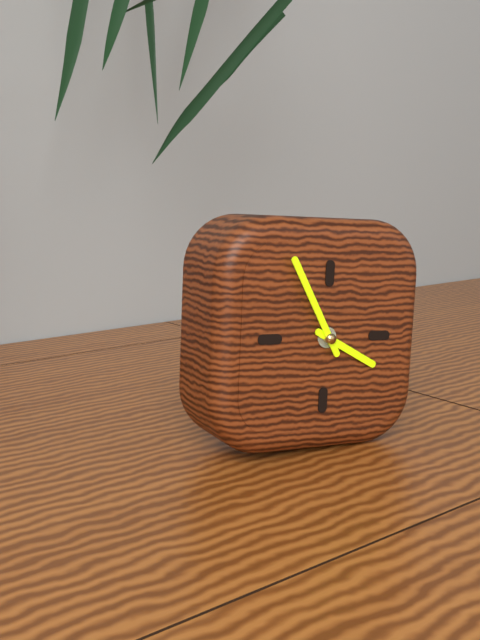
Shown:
3 h 55 min
